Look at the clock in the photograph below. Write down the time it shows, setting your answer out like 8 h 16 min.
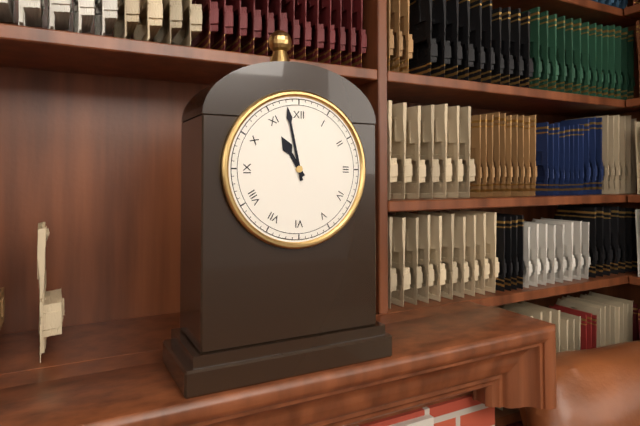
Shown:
10 h 58 min
